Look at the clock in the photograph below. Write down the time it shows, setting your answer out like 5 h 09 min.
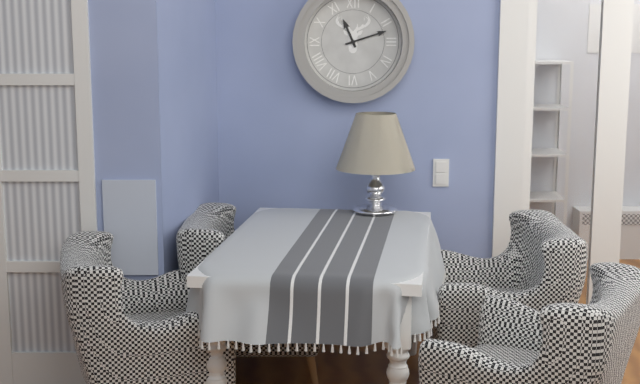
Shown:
11 h 12 min
